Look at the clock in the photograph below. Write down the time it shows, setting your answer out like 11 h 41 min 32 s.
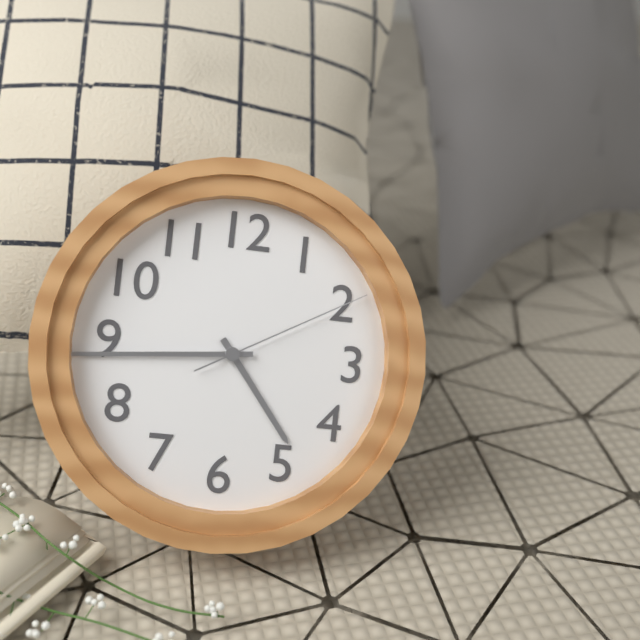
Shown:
4 h 44 min 10 s
